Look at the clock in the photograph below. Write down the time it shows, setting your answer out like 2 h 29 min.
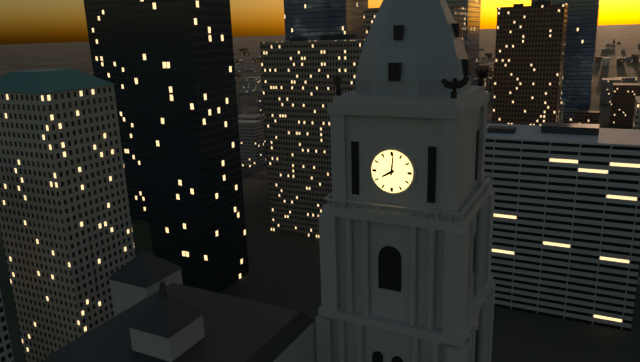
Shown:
8 h 01 min
